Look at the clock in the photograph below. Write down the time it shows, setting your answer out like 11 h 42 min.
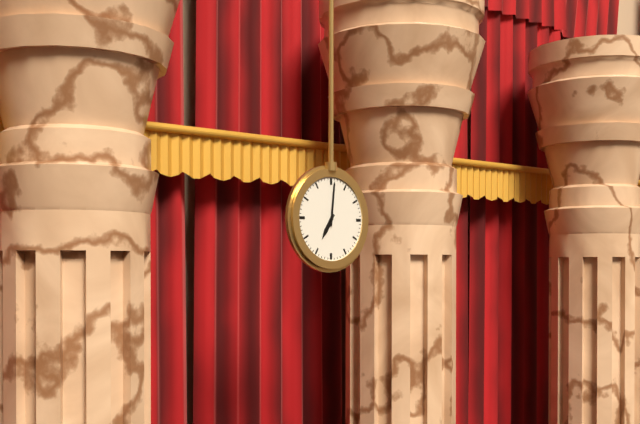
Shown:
7 h 01 min
